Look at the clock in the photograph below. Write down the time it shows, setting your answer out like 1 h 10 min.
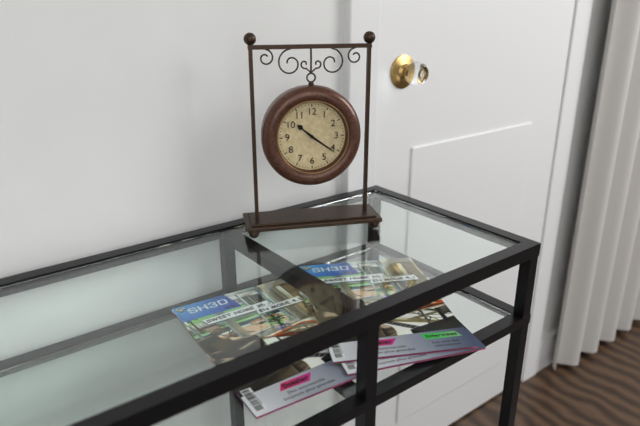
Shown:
10 h 21 min
